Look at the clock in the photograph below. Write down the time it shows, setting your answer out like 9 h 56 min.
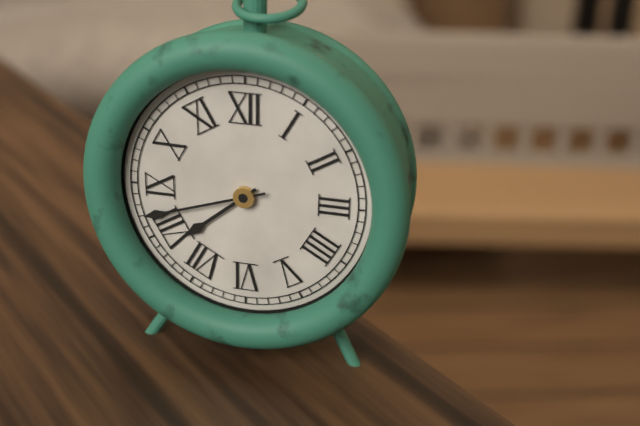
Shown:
7 h 42 min
